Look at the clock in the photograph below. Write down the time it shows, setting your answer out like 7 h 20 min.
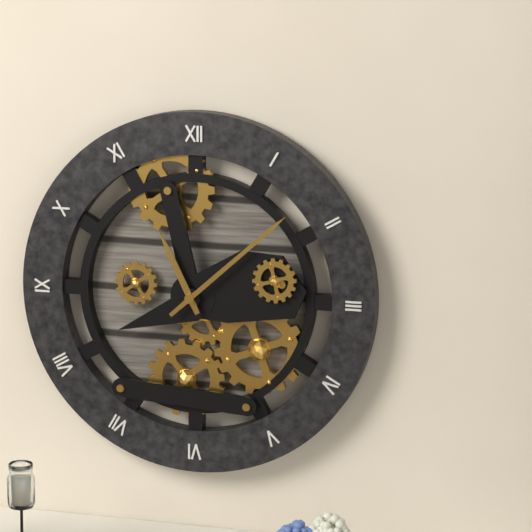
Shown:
11 h 08 min
